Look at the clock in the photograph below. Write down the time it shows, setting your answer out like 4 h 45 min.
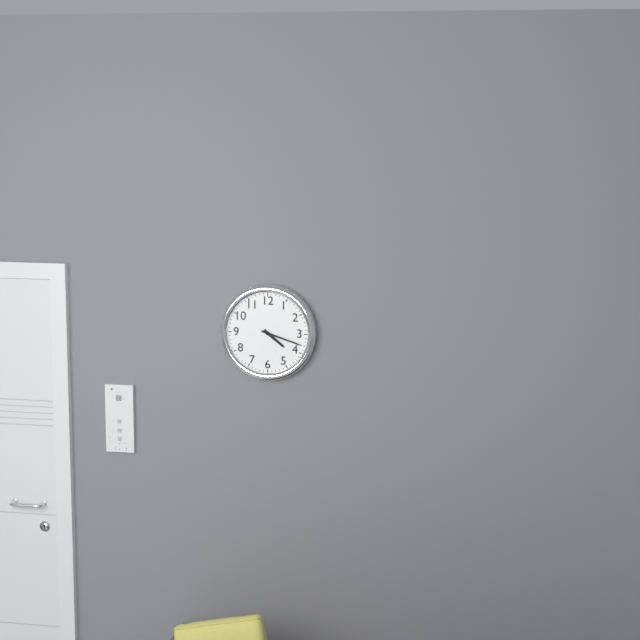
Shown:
4 h 18 min
